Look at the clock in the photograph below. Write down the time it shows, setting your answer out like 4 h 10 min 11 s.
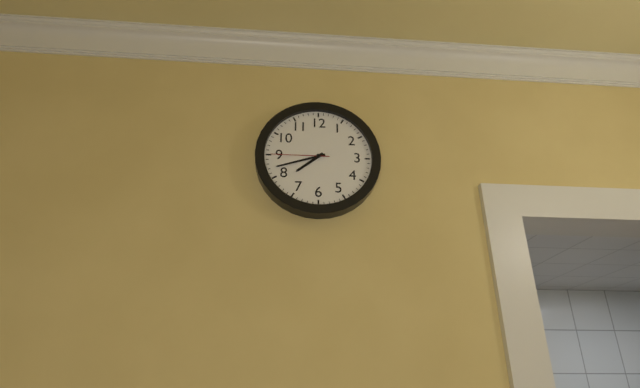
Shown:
7 h 42 min 45 s
